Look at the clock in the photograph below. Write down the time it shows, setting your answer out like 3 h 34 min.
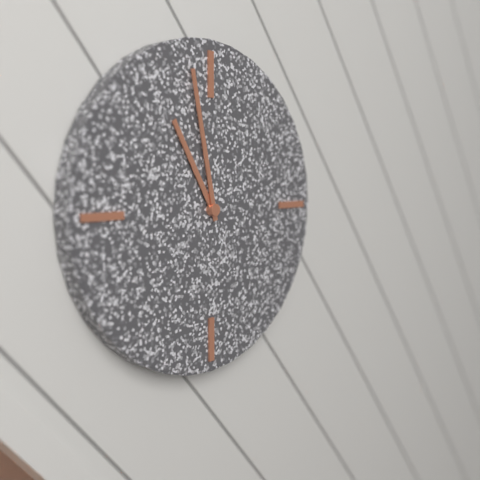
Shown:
10 h 58 min
